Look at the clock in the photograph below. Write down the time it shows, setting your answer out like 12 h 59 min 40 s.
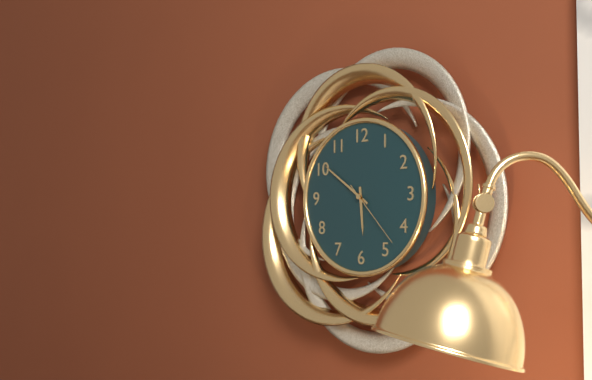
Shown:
5 h 51 min 23 s
